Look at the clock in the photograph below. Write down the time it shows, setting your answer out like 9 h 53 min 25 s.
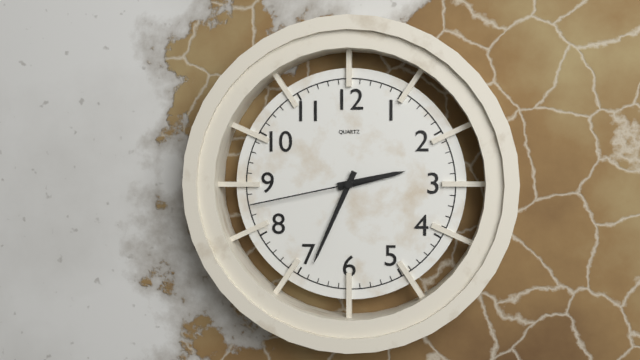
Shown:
2 h 34 min 43 s
